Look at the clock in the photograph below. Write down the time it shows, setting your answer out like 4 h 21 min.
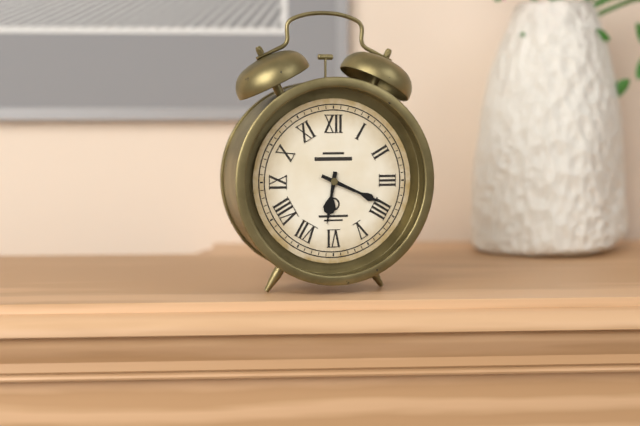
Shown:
6 h 19 min
